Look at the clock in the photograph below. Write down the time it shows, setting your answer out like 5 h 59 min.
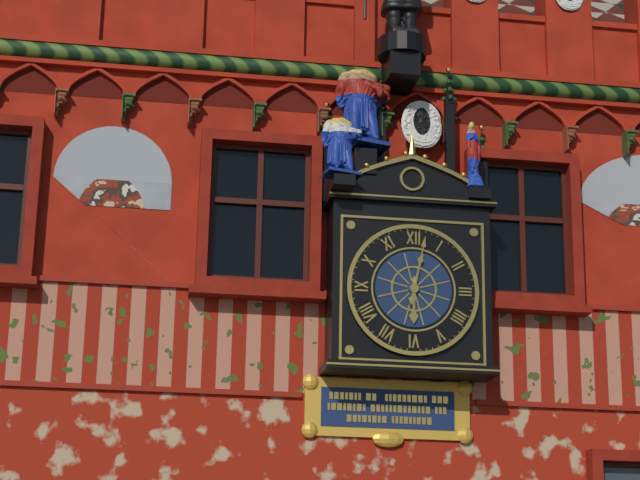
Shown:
6 h 02 min
